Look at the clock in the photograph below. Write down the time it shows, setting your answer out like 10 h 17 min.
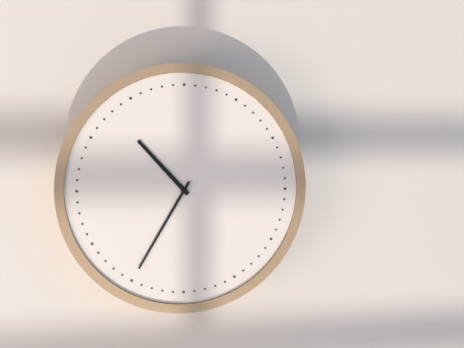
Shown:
10 h 35 min
